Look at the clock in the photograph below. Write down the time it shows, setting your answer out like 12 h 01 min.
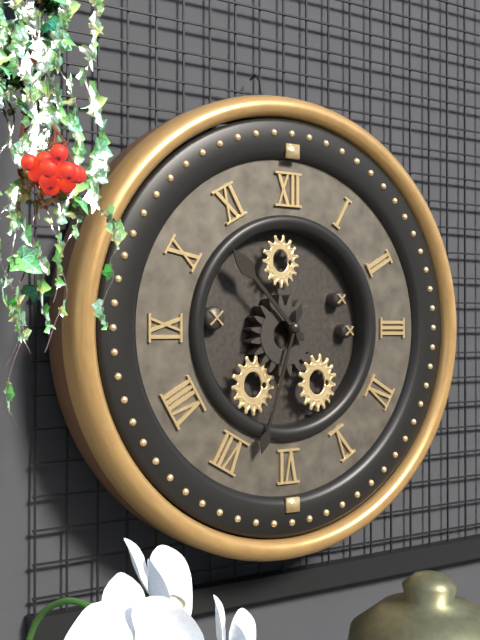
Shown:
10 h 33 min
